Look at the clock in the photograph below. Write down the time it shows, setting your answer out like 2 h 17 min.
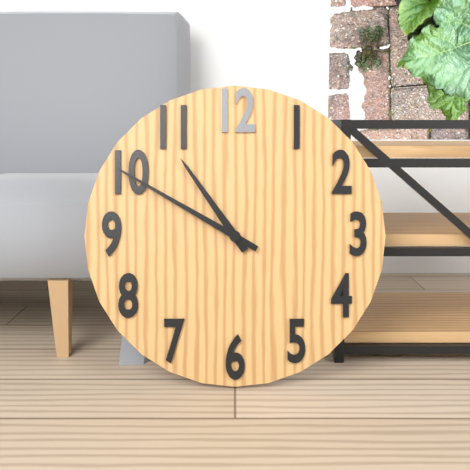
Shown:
10 h 50 min
